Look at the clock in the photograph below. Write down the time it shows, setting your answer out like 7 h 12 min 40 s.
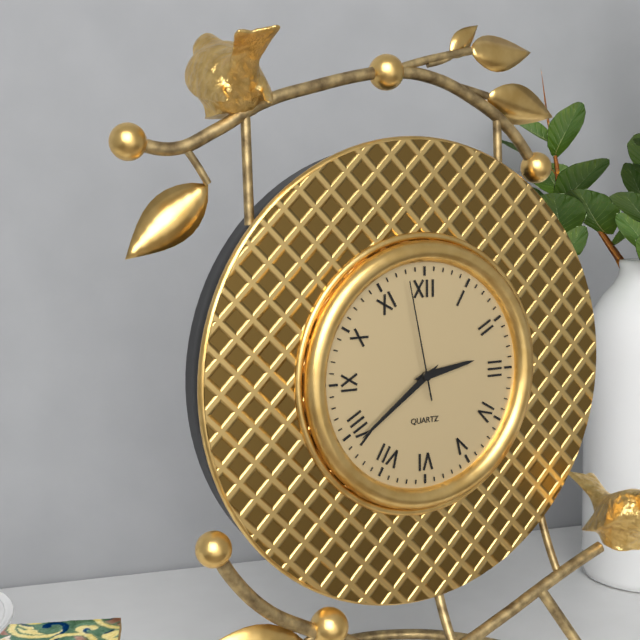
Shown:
2 h 39 min 58 s
